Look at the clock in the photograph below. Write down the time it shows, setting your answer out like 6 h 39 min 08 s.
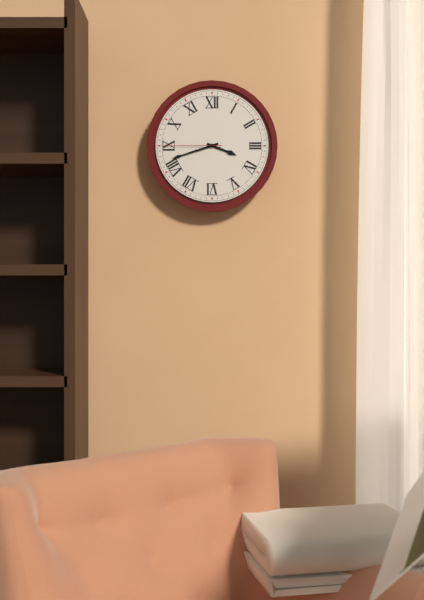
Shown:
3 h 42 min 45 s
